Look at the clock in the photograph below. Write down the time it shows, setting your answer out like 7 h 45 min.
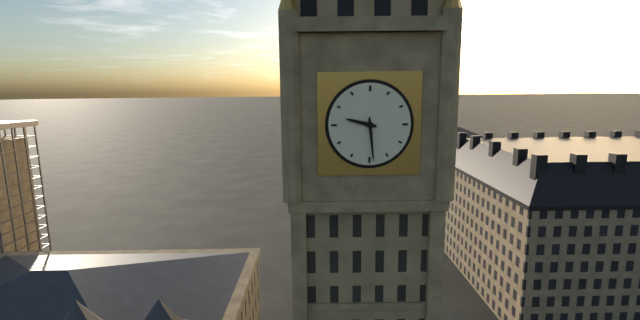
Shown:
9 h 29 min
